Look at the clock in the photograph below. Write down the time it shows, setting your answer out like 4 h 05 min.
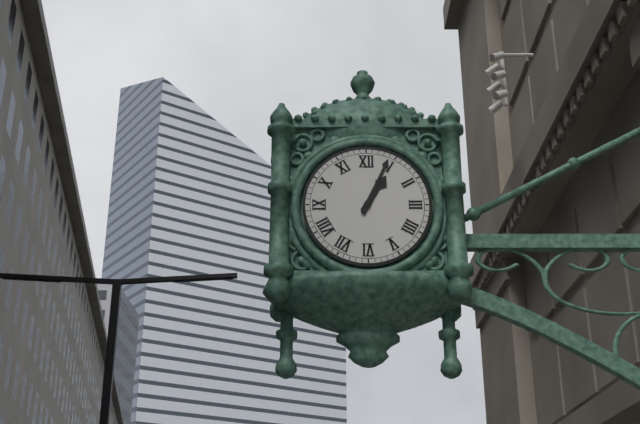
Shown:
1 h 04 min
